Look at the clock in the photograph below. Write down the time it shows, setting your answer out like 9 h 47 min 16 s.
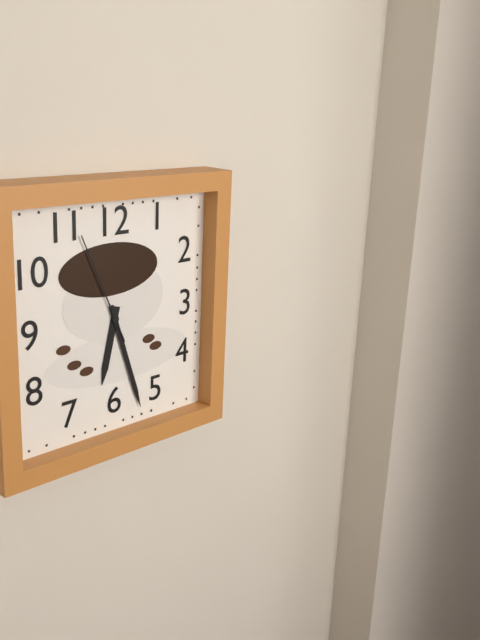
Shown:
6 h 27 min 56 s
